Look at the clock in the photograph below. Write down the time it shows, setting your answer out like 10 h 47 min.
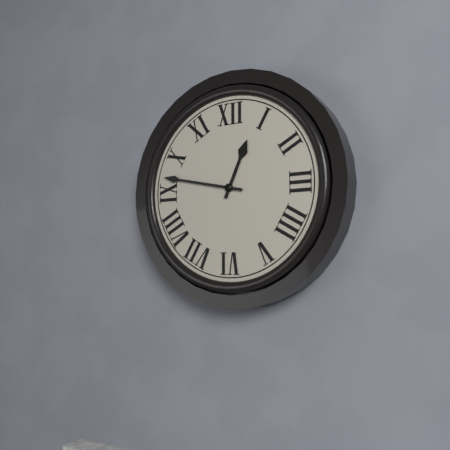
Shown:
12 h 47 min
